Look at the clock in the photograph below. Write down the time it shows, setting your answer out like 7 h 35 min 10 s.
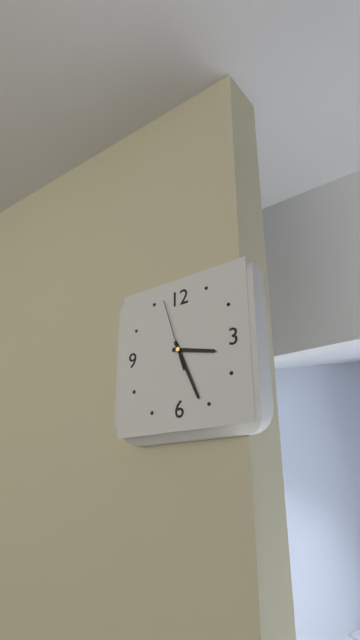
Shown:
3 h 26 min 57 s
